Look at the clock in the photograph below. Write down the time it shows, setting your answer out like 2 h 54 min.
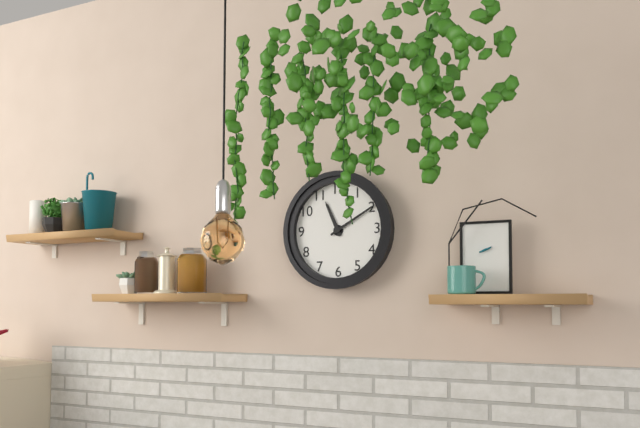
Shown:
11 h 10 min
